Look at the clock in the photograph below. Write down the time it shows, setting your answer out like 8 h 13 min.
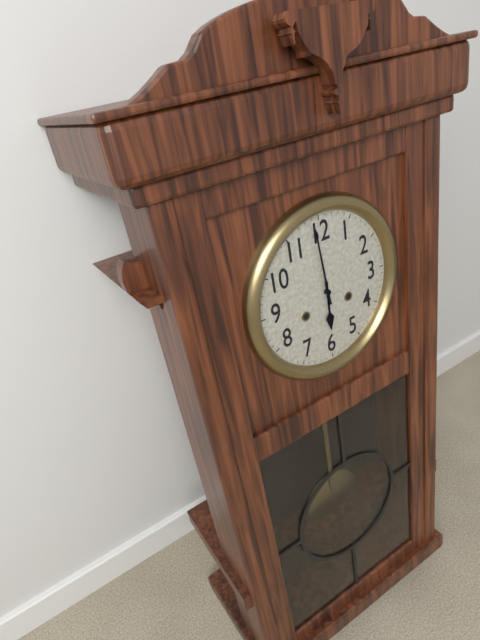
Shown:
5 h 59 min
